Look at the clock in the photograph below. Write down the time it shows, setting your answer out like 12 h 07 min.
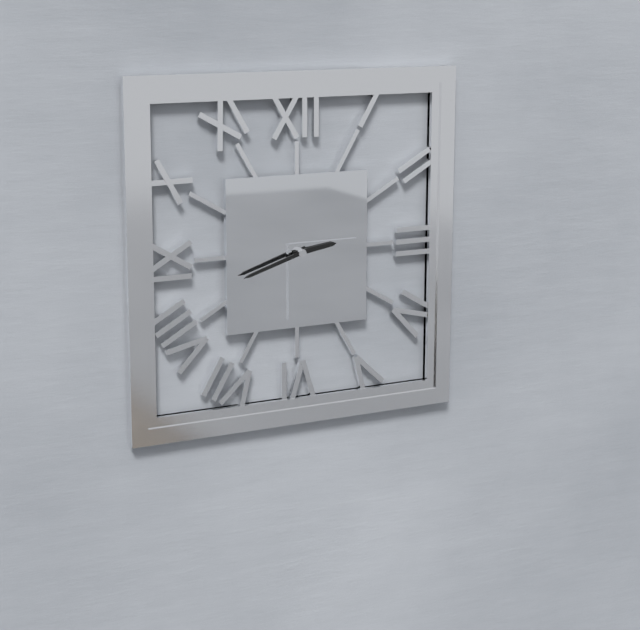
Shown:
2 h 42 min
